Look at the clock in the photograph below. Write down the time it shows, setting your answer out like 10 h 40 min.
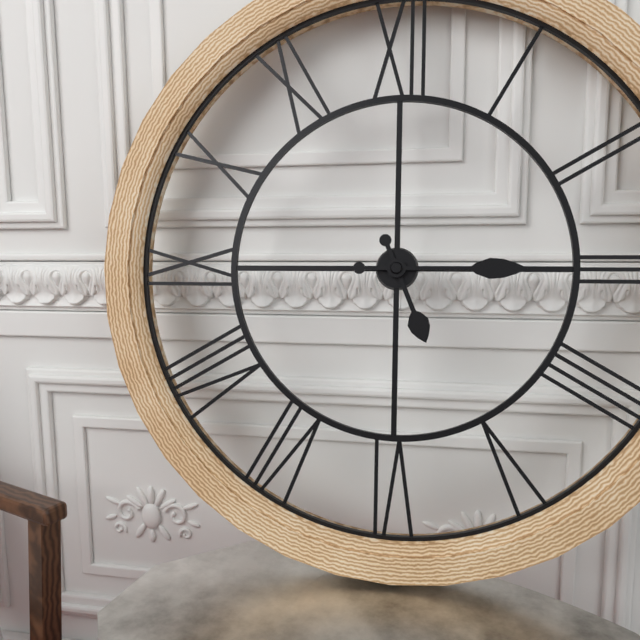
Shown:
5 h 15 min
